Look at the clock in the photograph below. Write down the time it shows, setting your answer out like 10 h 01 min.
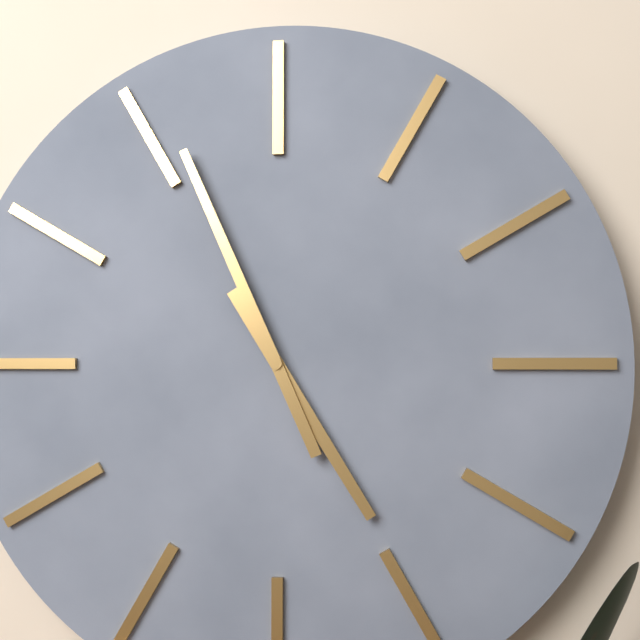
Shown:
4 h 56 min
